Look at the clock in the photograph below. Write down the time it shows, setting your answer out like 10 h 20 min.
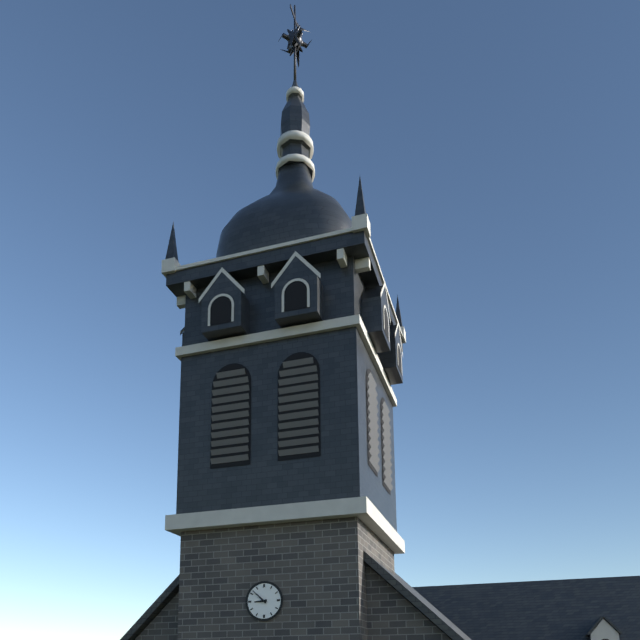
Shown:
8 h 52 min
